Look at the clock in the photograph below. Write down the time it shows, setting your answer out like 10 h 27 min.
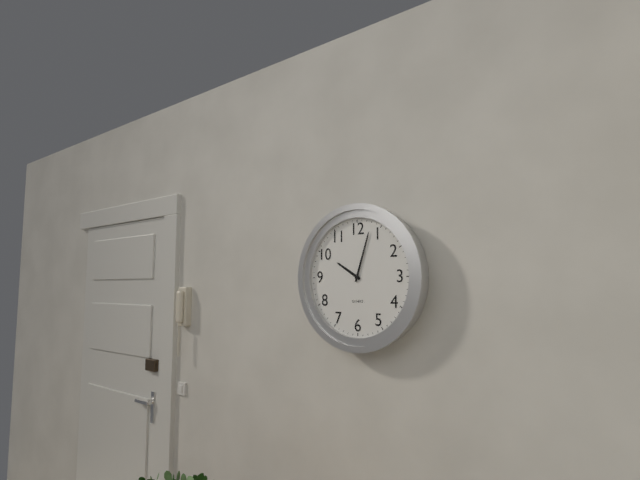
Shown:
10 h 03 min
